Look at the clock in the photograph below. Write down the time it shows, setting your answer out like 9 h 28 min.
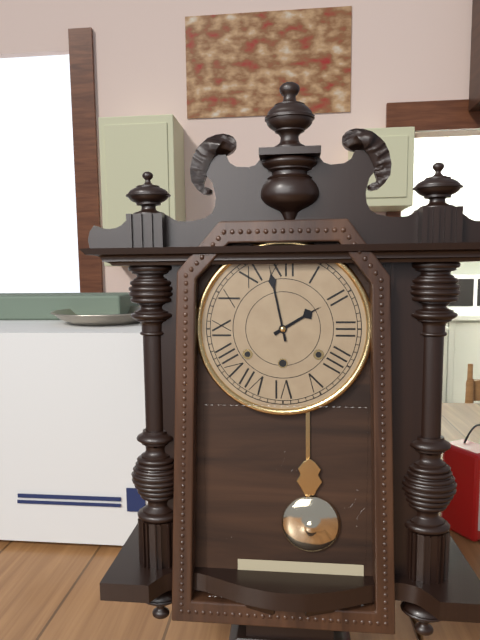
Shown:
1 h 58 min
